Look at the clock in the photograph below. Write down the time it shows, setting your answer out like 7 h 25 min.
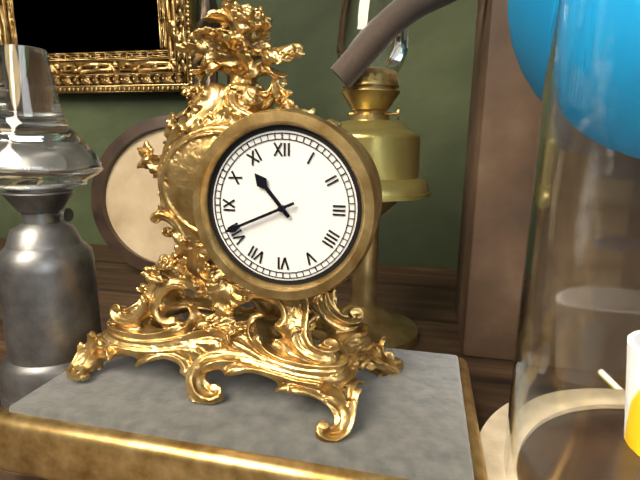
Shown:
10 h 41 min
